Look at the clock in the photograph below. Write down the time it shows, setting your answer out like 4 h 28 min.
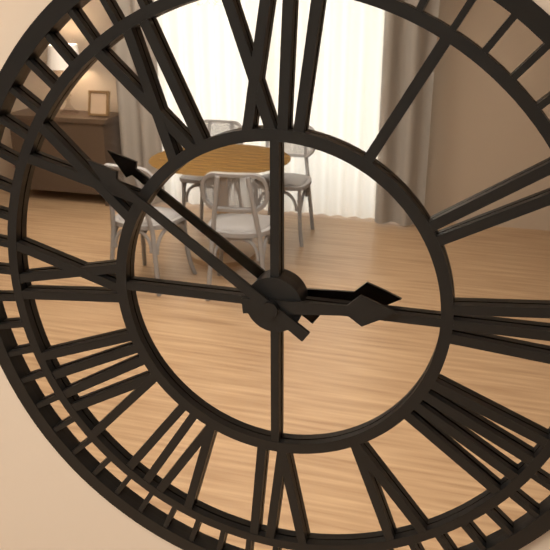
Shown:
2 h 51 min
